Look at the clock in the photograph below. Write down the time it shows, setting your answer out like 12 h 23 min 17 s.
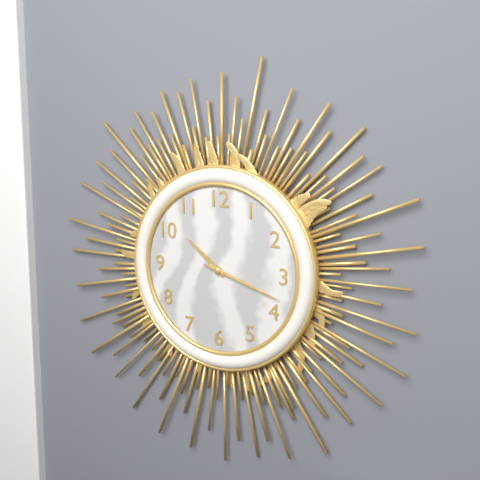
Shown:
10 h 18 min 18 s
